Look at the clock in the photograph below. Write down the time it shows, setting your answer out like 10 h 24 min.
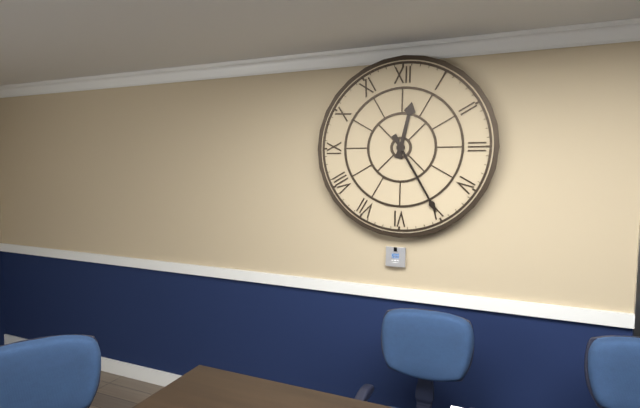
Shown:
12 h 25 min
